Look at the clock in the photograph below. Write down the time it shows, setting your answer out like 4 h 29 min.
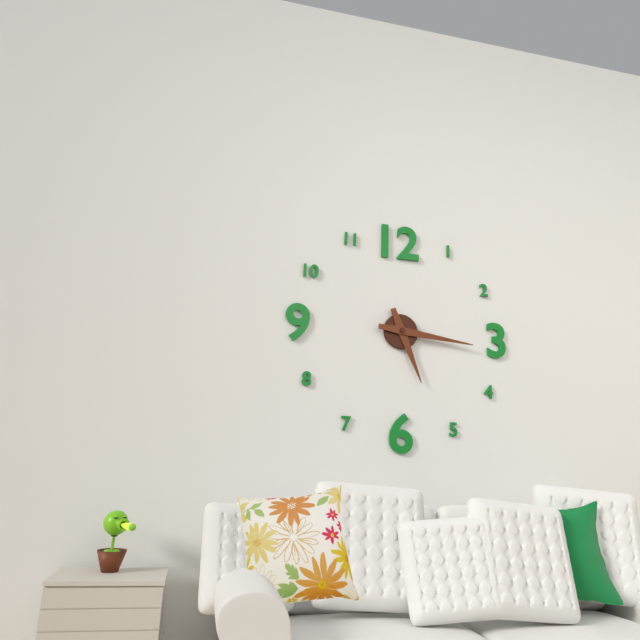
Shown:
5 h 16 min
